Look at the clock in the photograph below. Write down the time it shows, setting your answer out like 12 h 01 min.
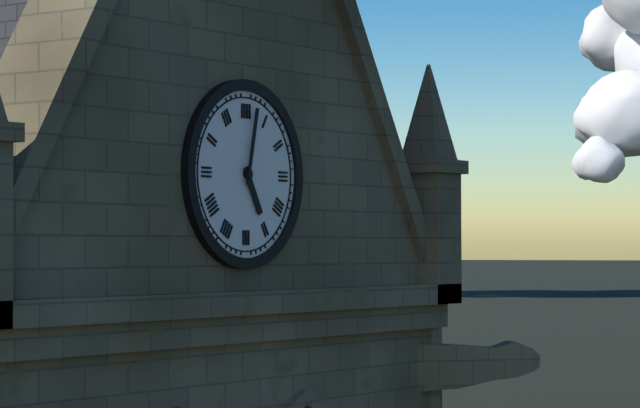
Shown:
5 h 02 min
